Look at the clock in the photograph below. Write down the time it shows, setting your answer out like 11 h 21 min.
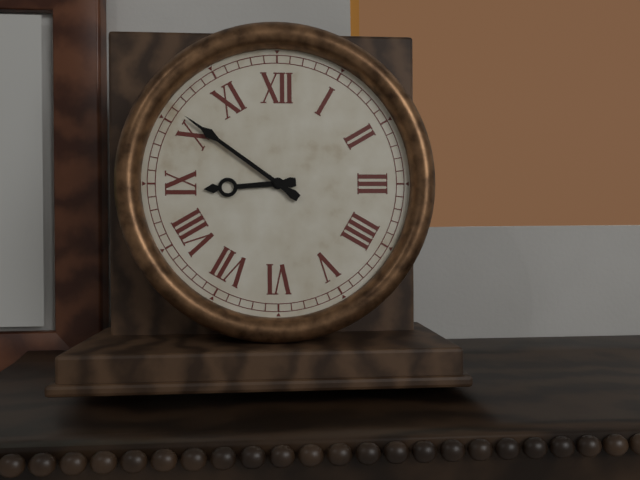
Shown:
8 h 51 min
